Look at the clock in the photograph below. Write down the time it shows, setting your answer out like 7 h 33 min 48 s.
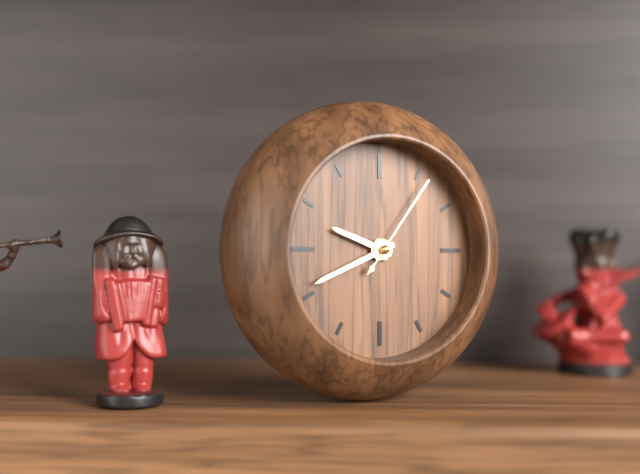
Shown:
9 h 41 min 06 s
